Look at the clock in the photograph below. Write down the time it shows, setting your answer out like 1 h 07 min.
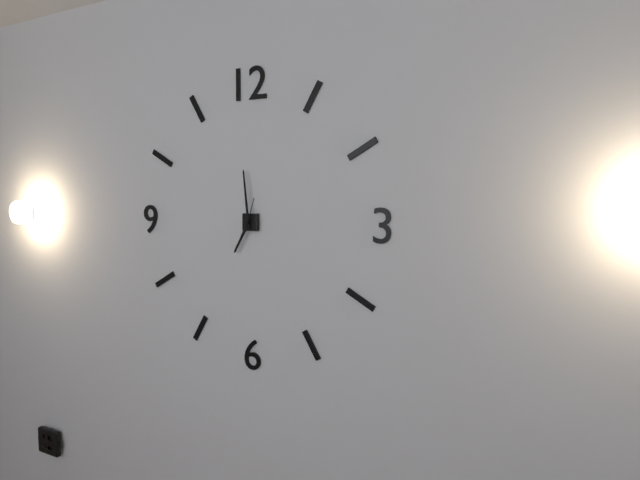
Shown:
6 h 59 min
